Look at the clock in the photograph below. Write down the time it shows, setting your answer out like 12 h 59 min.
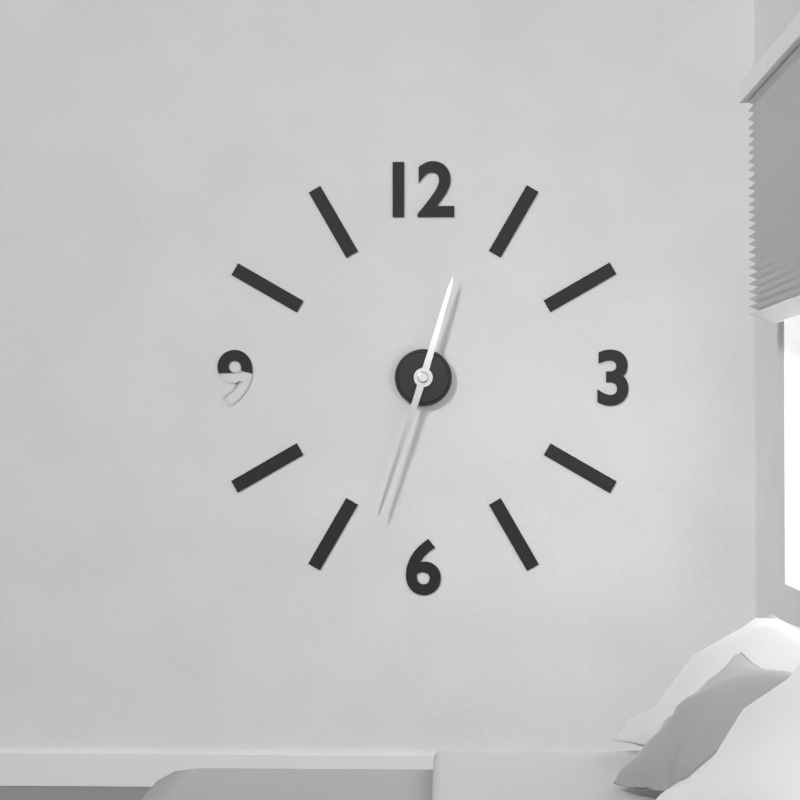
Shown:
12 h 33 min
